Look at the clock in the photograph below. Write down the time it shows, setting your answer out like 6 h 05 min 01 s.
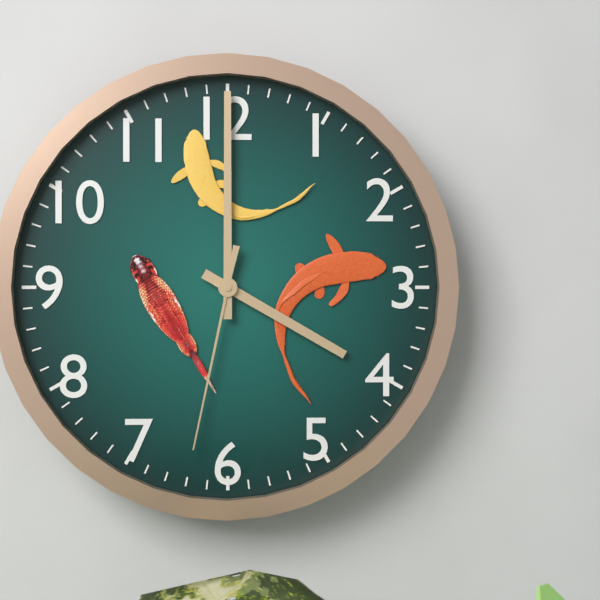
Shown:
4 h 00 min 32 s
